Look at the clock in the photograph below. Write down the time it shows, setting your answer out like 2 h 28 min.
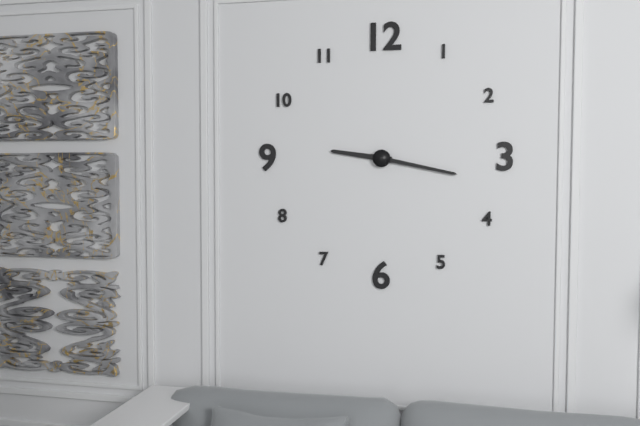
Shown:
9 h 17 min
